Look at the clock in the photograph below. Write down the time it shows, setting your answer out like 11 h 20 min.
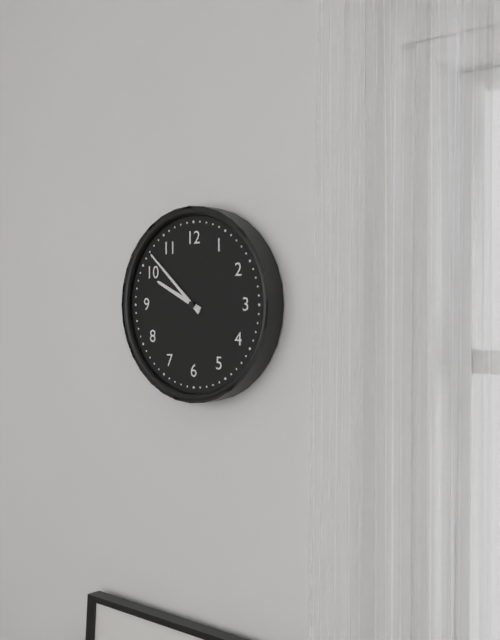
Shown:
9 h 52 min
